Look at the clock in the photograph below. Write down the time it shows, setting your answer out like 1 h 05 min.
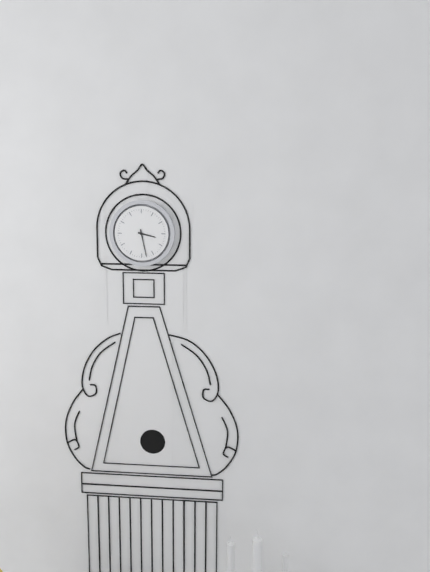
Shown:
3 h 28 min
